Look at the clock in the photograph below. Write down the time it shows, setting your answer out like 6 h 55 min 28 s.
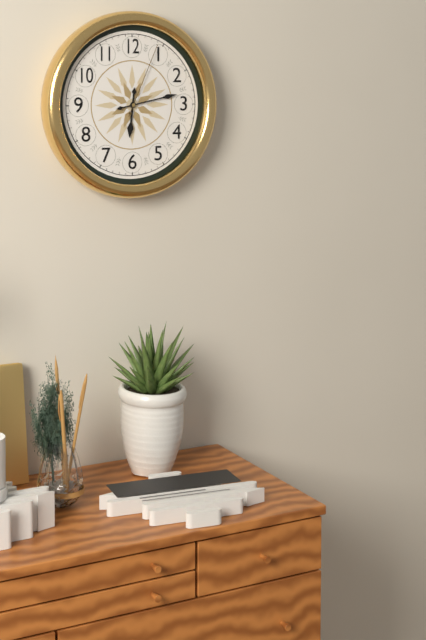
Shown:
6 h 13 min 04 s
